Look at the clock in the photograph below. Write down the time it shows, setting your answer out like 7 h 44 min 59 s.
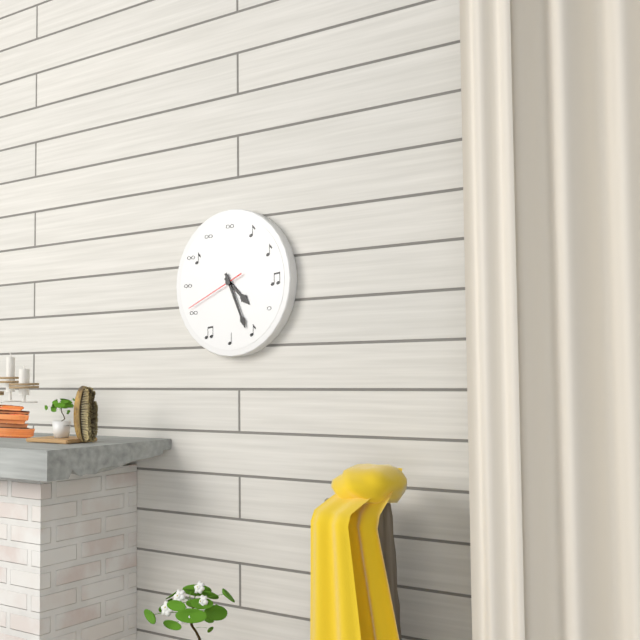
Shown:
4 h 26 min 41 s
